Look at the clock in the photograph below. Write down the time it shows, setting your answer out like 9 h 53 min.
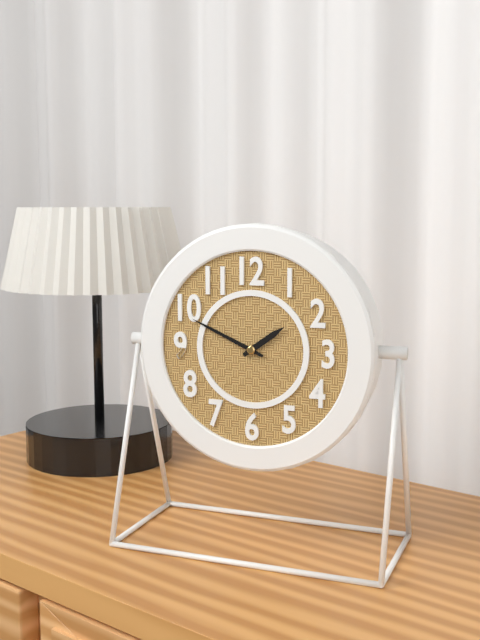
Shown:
1 h 49 min
